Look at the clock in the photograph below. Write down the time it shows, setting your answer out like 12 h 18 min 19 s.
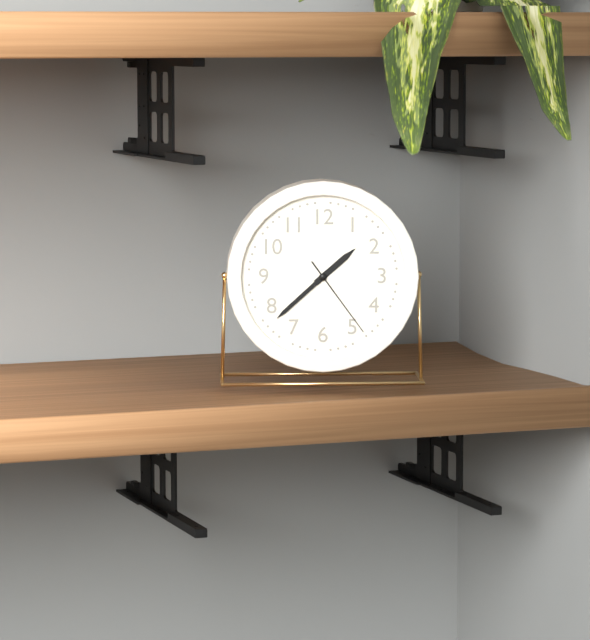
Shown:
1 h 38 min 24 s
